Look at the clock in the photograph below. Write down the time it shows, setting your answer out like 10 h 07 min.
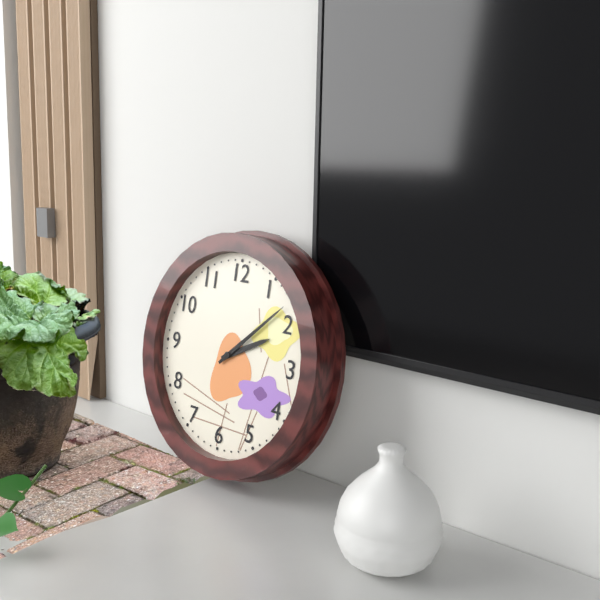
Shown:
2 h 08 min
